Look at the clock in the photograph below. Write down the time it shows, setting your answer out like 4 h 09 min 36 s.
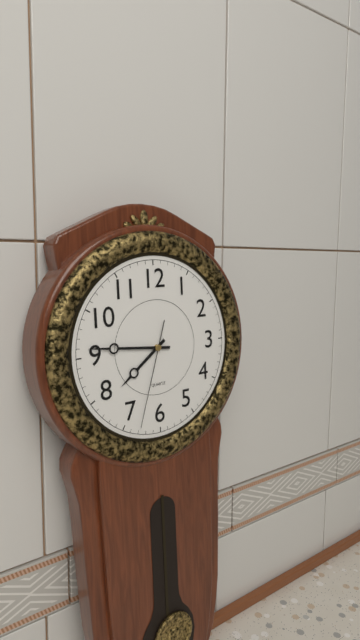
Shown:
7 h 46 min 33 s
